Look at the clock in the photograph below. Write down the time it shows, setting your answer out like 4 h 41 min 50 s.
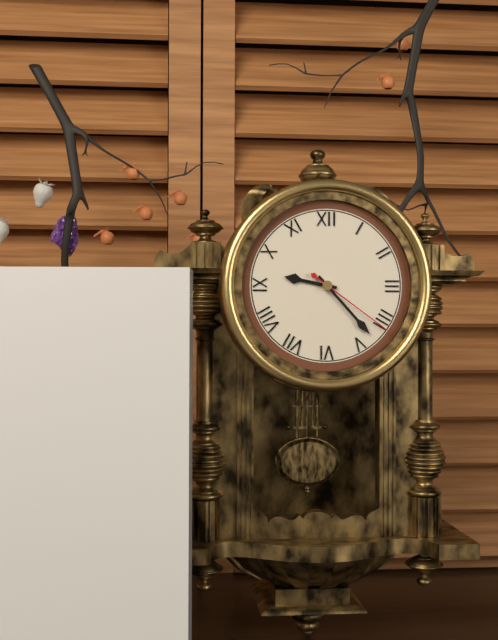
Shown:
9 h 23 min 21 s
